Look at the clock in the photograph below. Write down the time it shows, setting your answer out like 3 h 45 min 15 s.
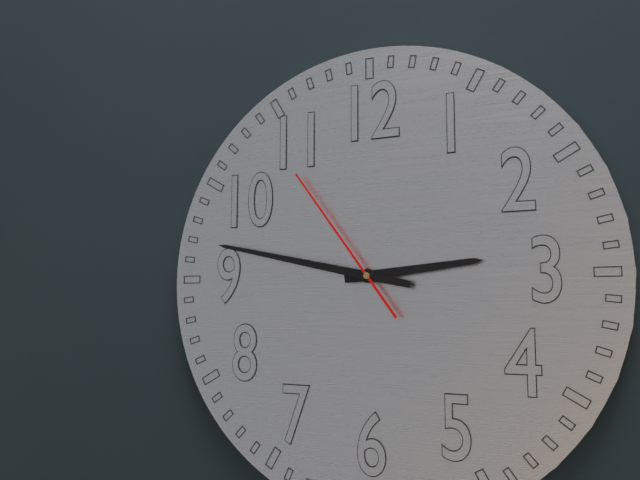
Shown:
2 h 47 min 54 s
